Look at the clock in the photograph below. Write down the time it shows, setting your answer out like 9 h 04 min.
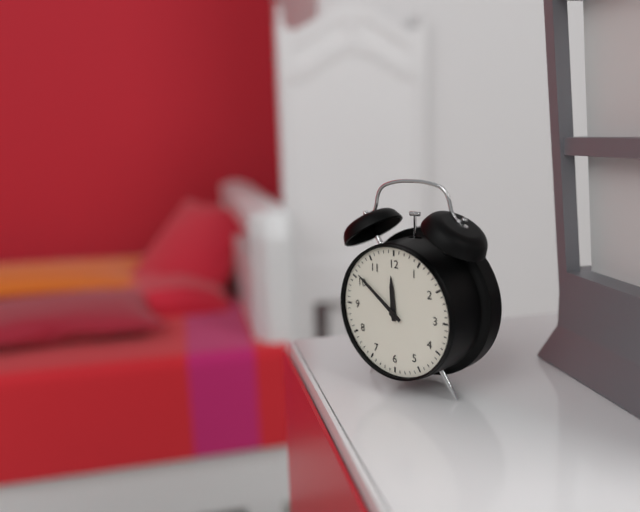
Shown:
11 h 51 min
